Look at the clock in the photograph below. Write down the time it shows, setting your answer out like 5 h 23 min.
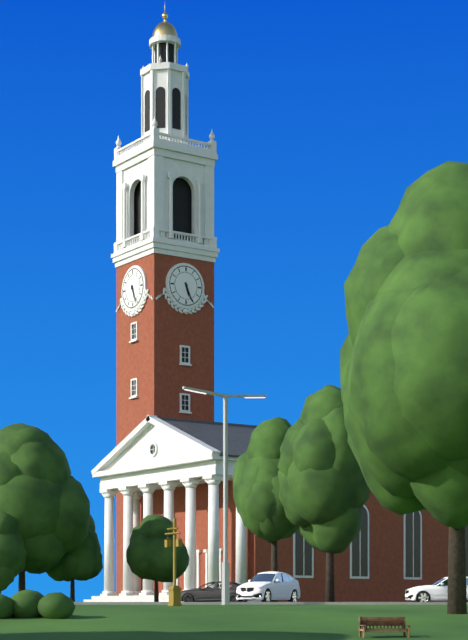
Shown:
5 h 26 min
